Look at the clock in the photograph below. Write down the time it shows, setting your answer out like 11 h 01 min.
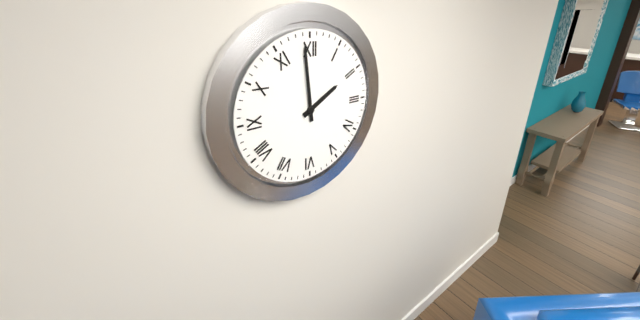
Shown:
1 h 59 min
